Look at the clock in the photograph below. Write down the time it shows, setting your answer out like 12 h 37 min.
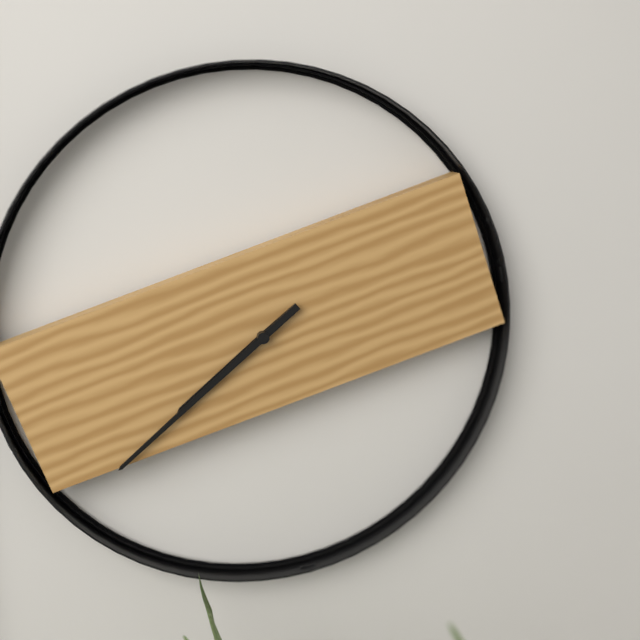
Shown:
7 h 38 min
